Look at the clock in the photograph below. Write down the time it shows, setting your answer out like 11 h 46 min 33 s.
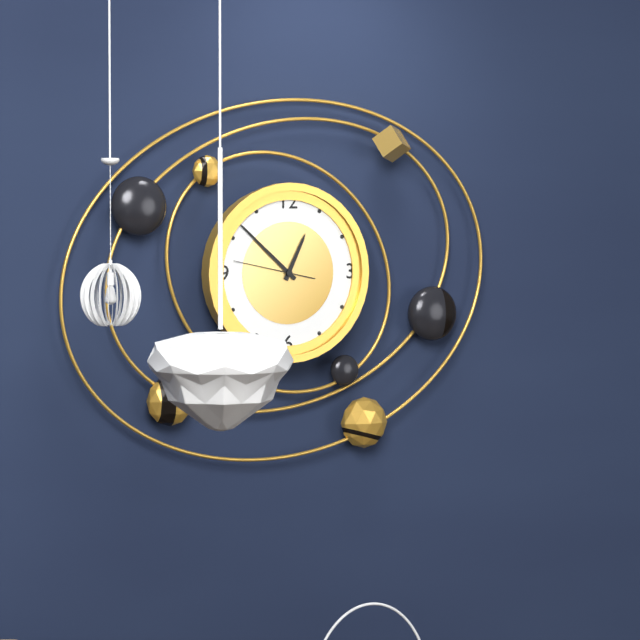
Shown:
12 h 52 min 47 s
